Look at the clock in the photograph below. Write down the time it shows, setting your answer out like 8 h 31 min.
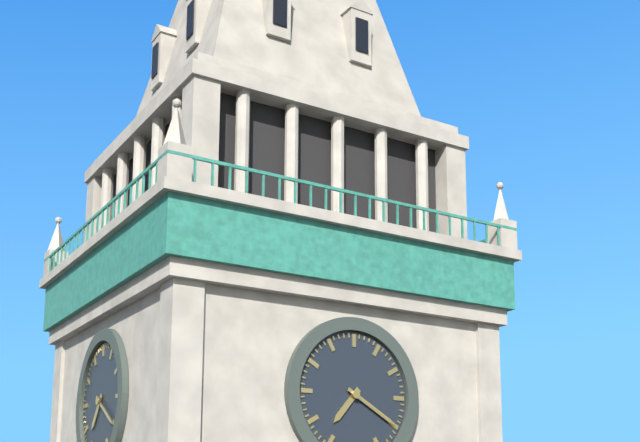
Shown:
7 h 20 min
